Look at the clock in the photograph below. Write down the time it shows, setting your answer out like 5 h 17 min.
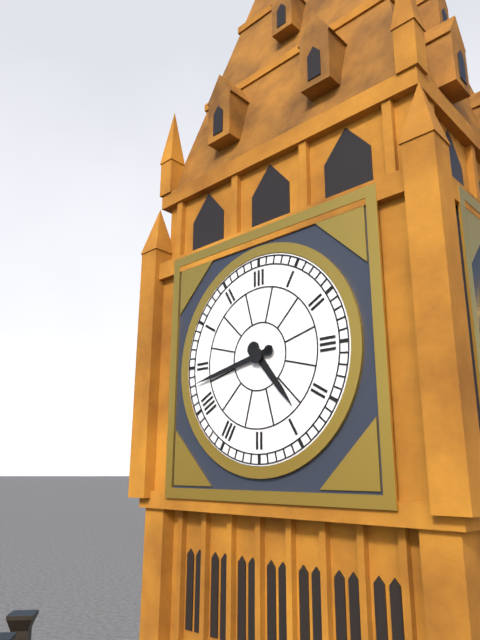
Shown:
4 h 43 min
